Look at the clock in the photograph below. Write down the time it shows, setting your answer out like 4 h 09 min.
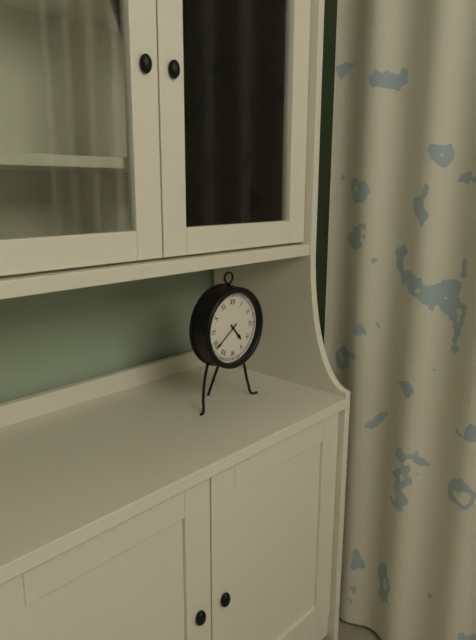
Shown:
4 h 39 min
